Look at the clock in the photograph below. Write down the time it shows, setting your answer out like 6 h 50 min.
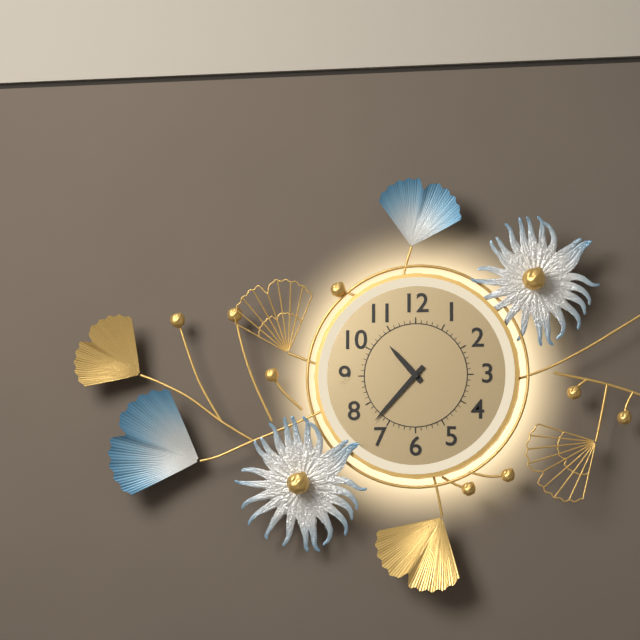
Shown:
10 h 37 min
